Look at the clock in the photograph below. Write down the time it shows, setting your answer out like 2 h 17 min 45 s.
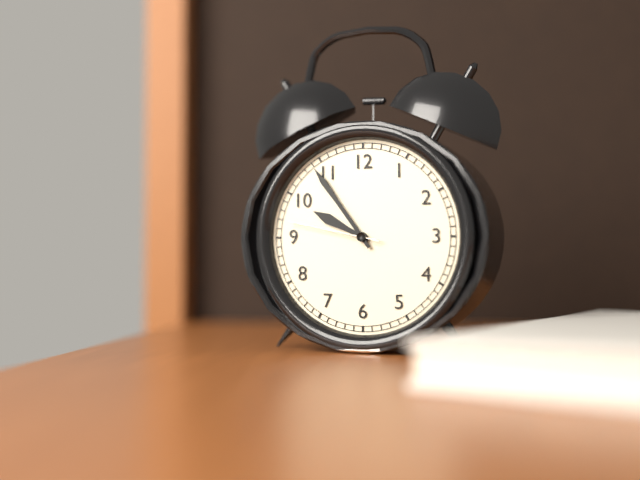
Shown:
9 h 54 min 47 s
